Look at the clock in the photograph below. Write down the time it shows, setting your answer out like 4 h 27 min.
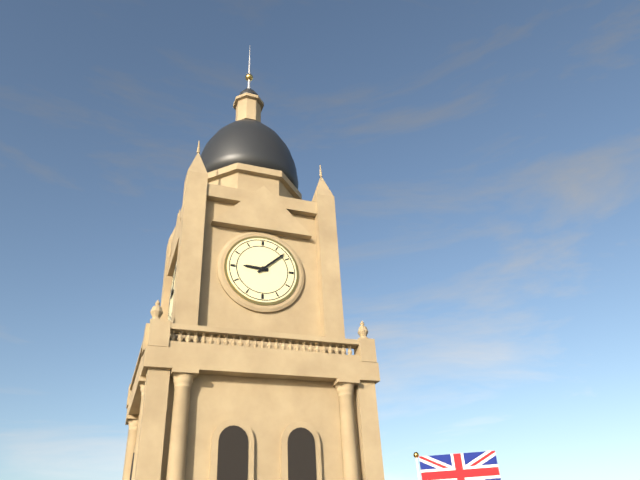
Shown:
9 h 08 min
